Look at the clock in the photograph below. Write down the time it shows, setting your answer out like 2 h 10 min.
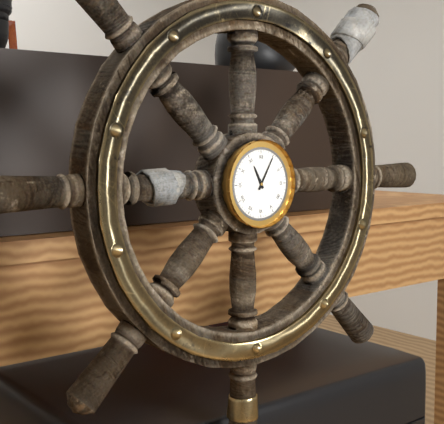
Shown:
11 h 05 min
